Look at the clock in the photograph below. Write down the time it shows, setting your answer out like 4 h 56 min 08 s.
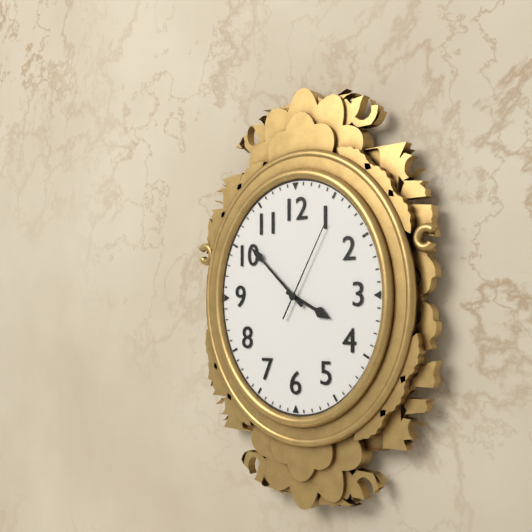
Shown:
3 h 52 min 05 s
